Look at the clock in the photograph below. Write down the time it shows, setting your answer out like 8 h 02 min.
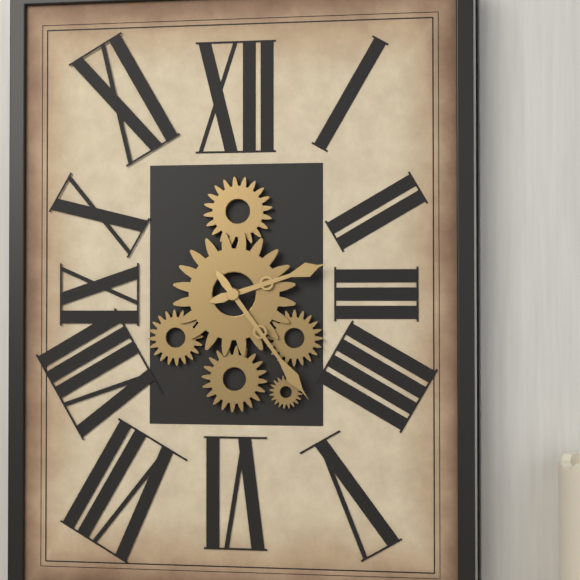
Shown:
2 h 24 min
